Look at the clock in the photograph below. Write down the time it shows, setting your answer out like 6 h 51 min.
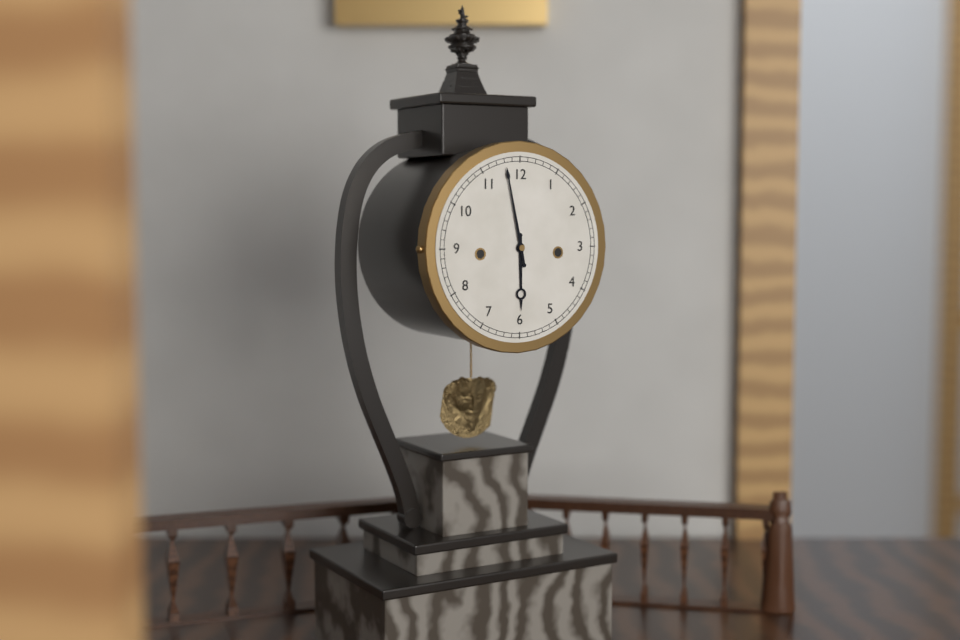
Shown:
5 h 58 min
